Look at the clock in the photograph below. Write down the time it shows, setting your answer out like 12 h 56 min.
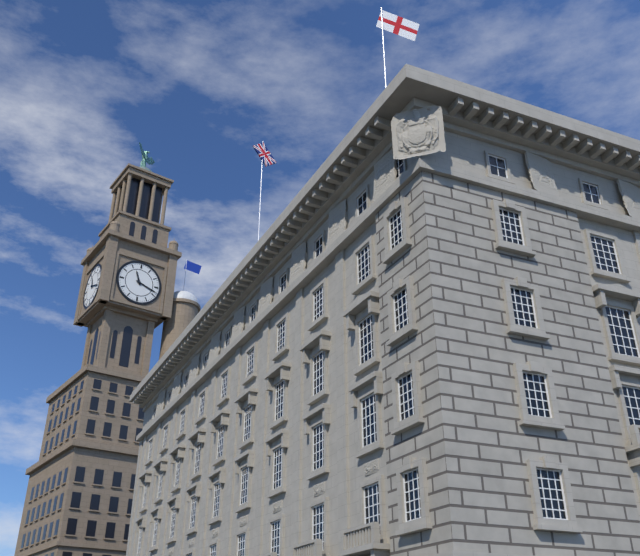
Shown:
11 h 18 min
